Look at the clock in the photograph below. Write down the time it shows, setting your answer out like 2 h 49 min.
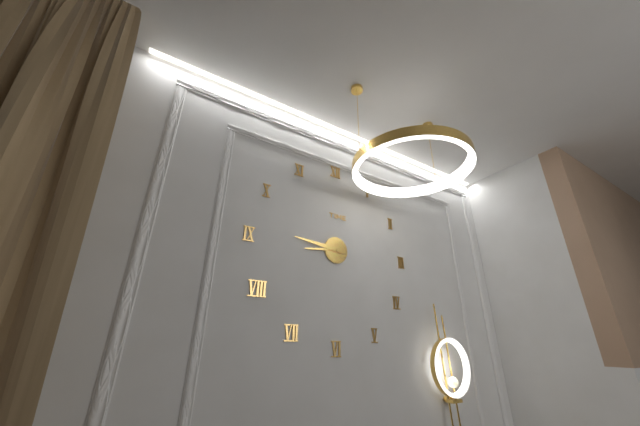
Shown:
8 h 46 min
